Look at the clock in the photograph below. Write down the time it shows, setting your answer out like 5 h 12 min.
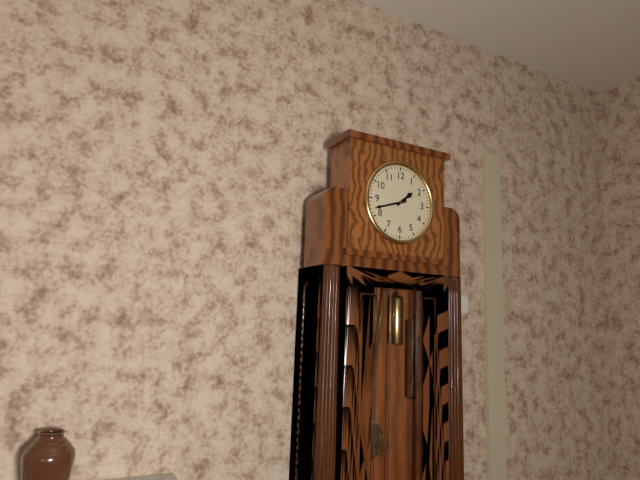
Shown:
1 h 42 min
